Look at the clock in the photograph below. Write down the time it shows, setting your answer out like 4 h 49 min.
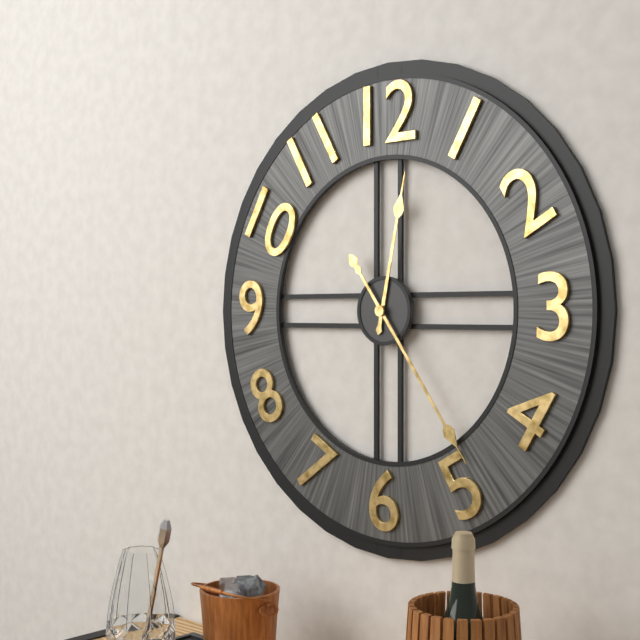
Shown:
12 h 24 min
